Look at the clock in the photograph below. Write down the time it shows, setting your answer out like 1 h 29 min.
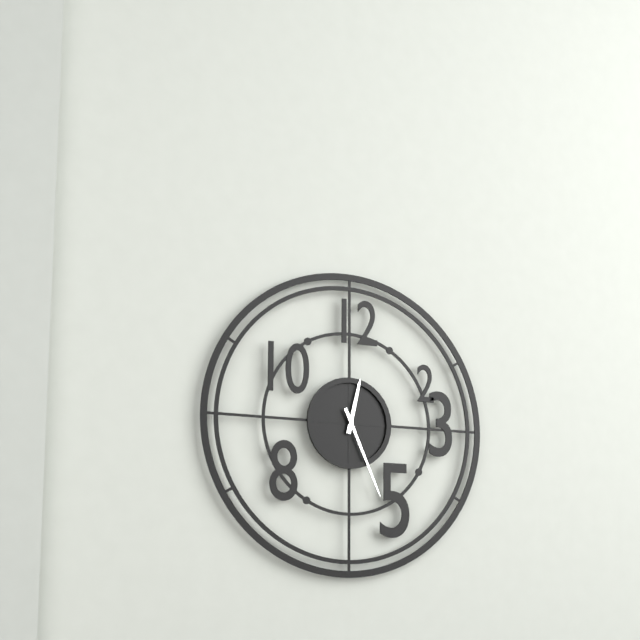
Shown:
12 h 26 min
